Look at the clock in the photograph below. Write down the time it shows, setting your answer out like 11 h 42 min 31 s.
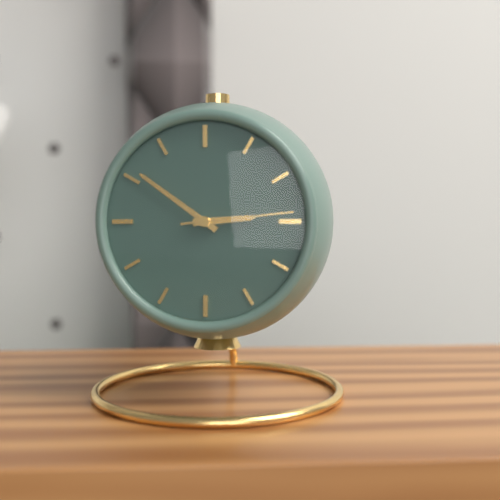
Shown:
2 h 51 min 14 s
